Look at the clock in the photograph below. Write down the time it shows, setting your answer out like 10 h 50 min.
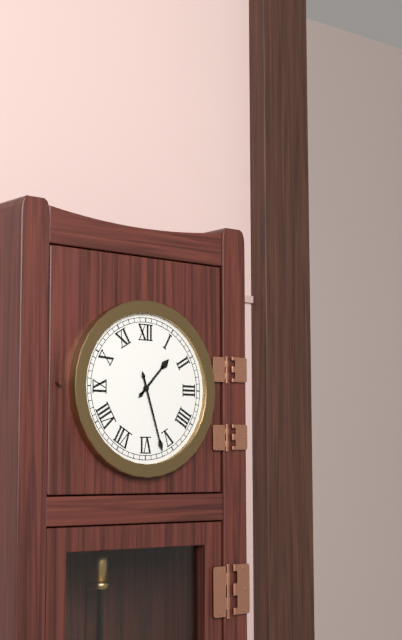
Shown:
1 h 27 min
